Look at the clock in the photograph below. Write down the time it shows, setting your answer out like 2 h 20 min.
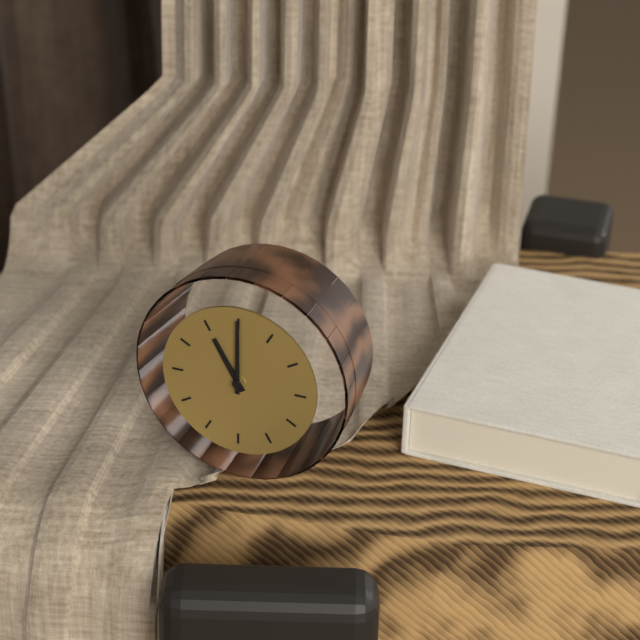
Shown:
11 h 00 min
